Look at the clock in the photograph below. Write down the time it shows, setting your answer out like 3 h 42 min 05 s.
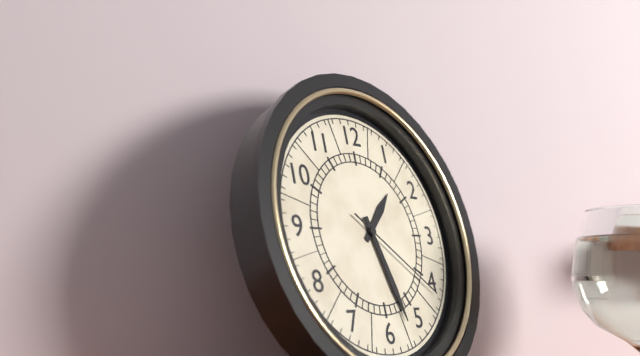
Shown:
1 h 27 min 21 s
